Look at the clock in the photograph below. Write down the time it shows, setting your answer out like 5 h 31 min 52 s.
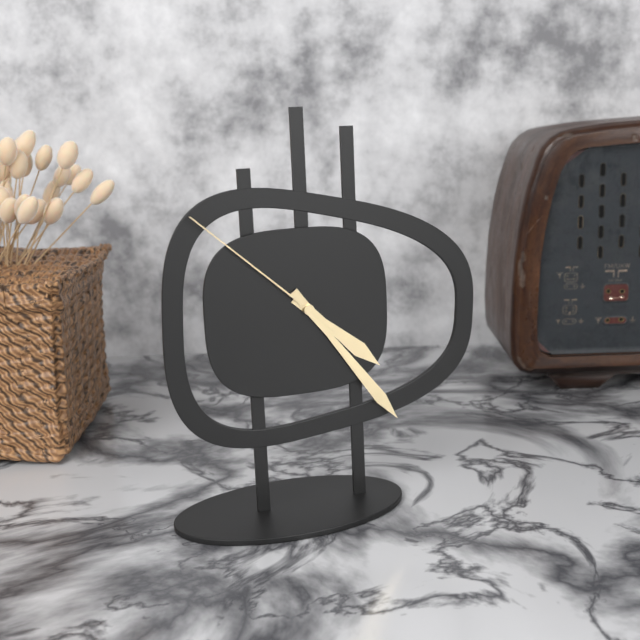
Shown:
4 h 24 min 52 s
